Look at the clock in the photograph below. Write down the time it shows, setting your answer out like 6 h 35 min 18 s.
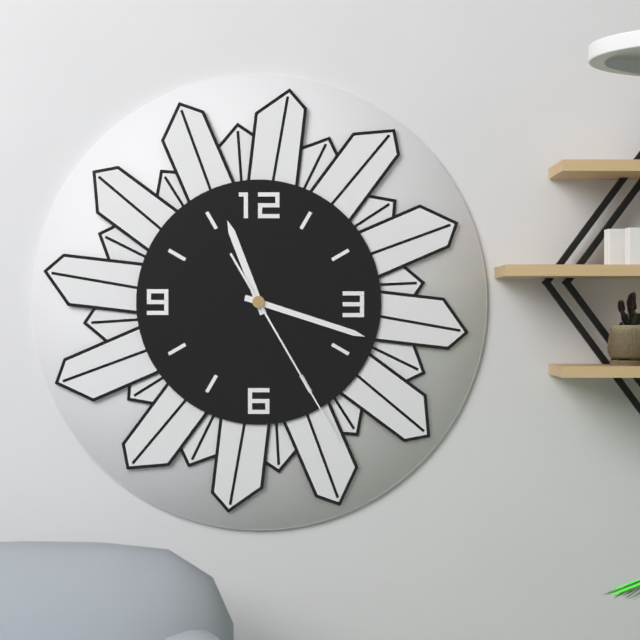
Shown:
11 h 18 min 25 s
